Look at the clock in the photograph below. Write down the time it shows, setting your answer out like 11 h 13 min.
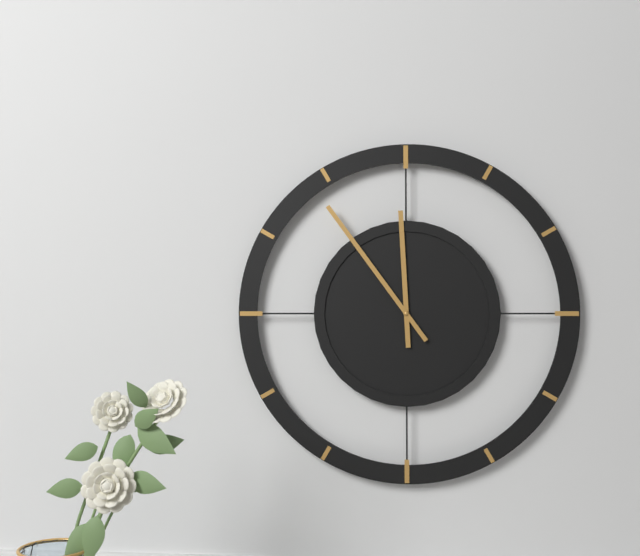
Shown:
11 h 54 min
